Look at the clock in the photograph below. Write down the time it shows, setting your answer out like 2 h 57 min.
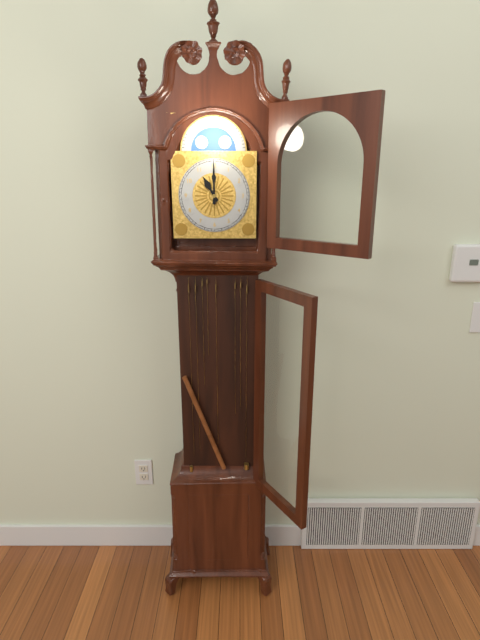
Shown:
11 h 00 min
